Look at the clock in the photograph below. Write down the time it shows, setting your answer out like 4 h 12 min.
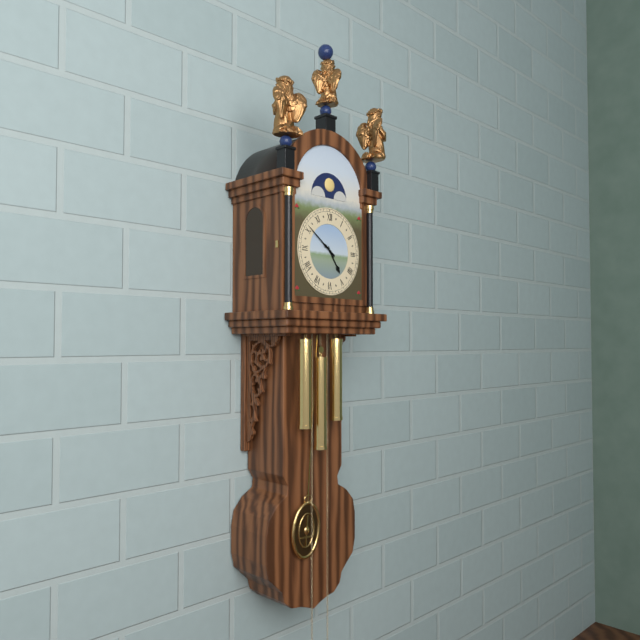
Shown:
4 h 51 min
